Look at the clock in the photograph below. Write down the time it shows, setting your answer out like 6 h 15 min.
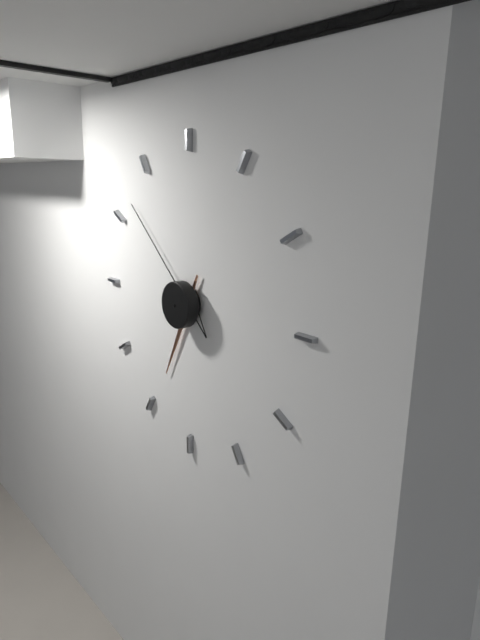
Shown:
6 h 52 min
